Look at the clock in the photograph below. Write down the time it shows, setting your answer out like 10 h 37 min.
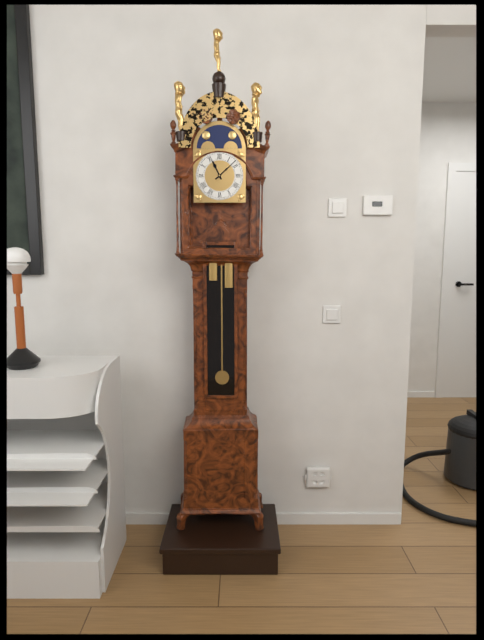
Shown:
11 h 08 min
